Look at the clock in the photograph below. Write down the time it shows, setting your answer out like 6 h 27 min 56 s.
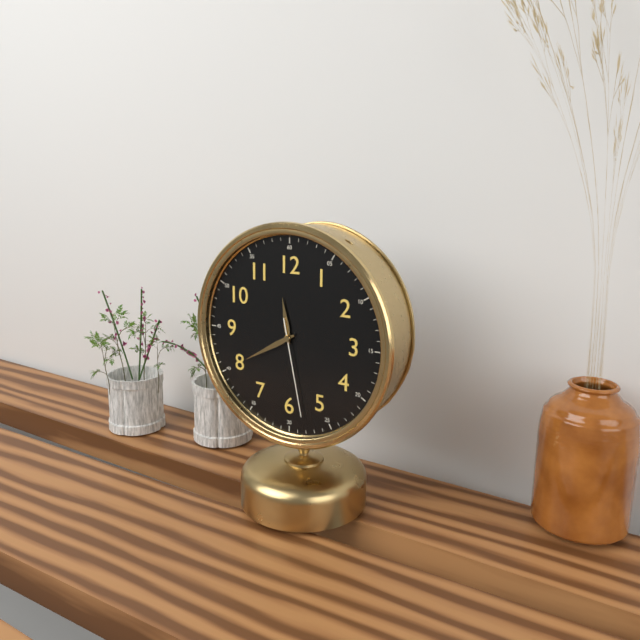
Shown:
11 h 40 min 28 s
